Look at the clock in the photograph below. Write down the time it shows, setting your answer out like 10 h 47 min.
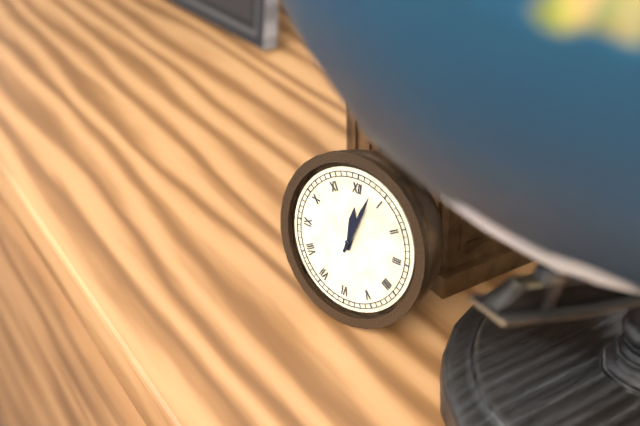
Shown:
12 h 03 min
